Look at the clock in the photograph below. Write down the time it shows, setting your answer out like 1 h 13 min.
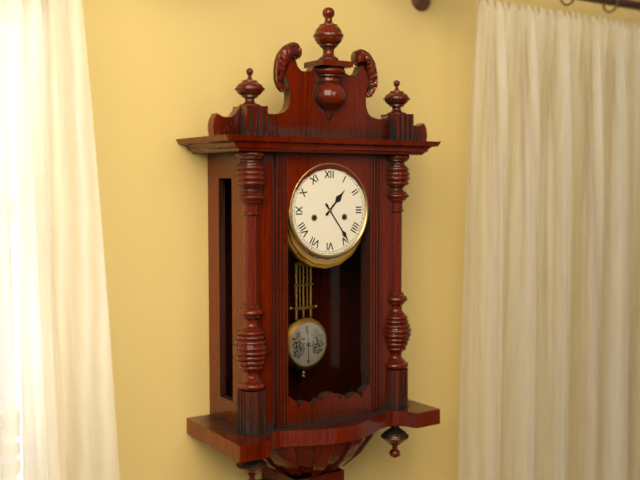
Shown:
1 h 24 min
